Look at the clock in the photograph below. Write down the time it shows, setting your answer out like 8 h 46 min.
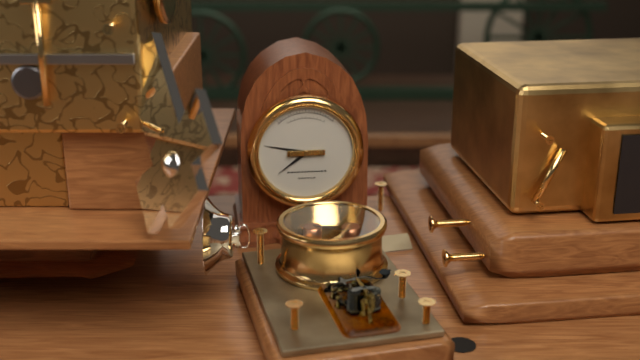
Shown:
7 h 47 min
